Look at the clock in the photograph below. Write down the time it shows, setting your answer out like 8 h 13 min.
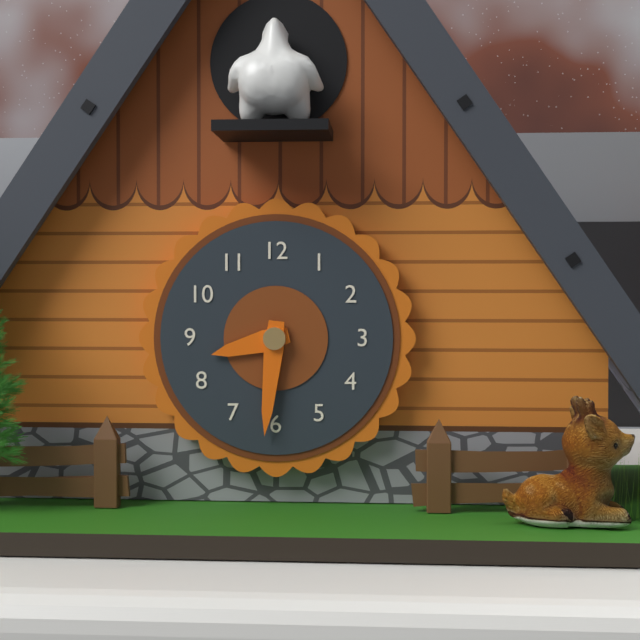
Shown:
8 h 31 min
